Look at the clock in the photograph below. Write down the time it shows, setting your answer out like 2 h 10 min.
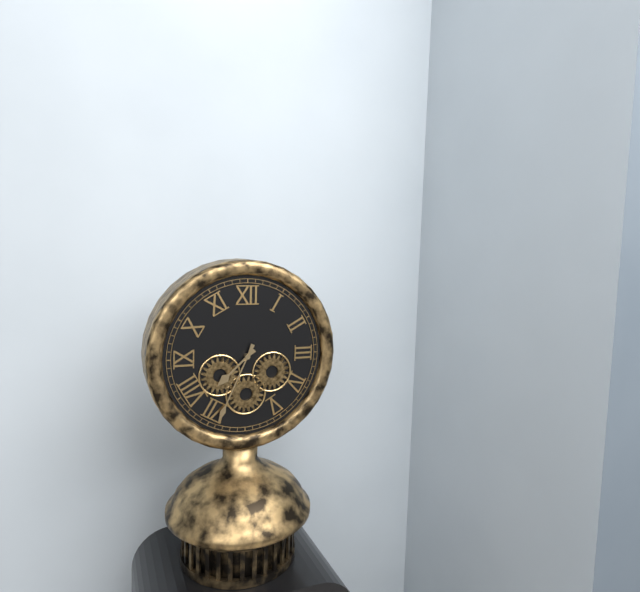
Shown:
7 h 34 min
